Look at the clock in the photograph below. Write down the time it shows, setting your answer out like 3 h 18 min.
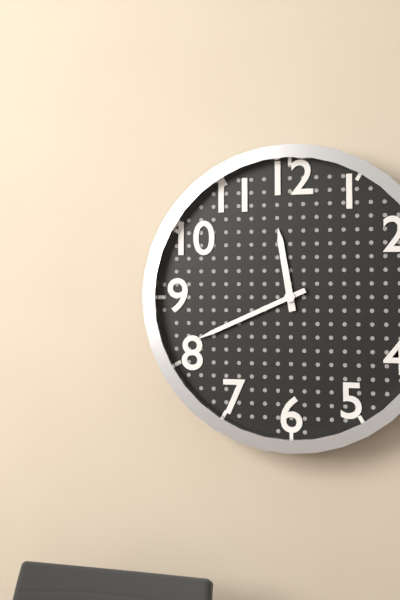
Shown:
11 h 41 min
